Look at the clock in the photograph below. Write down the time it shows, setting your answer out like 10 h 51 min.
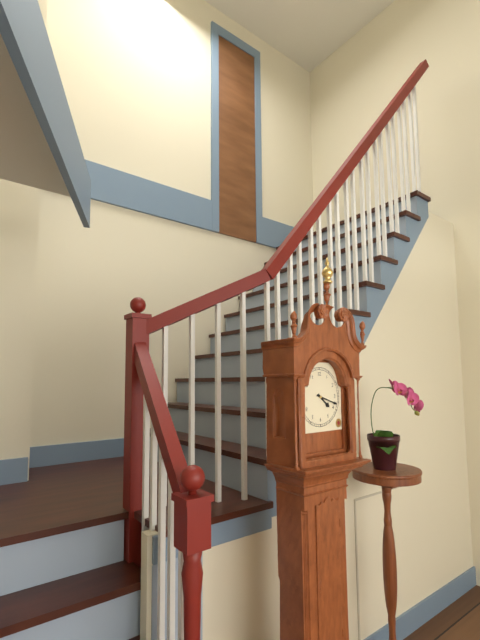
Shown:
4 h 18 min
